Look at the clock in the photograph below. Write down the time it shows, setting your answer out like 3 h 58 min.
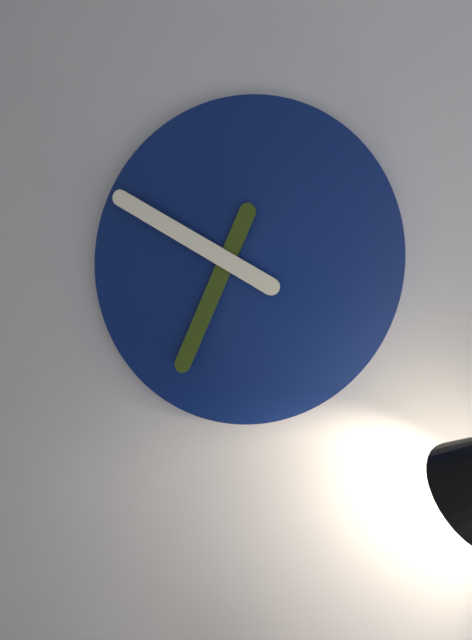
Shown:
6 h 50 min
